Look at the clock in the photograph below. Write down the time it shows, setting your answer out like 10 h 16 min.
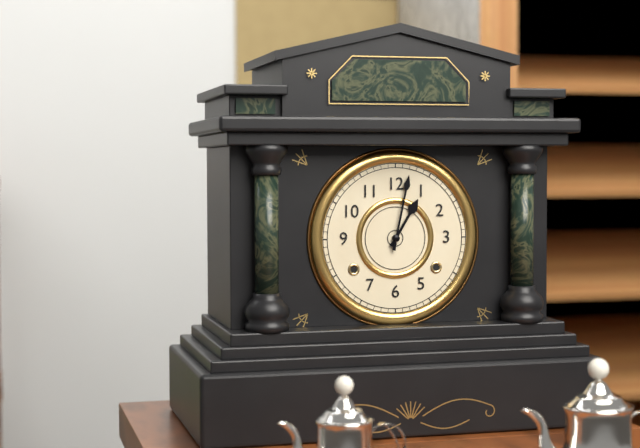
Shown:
1 h 02 min
